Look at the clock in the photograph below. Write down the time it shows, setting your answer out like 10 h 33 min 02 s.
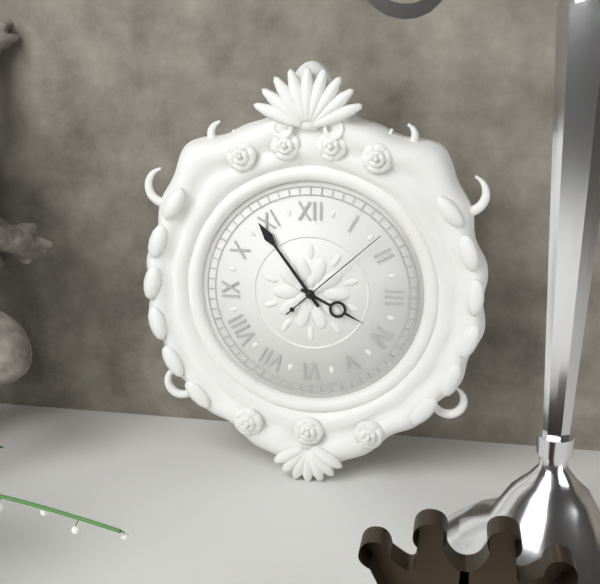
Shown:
3 h 54 min 08 s
